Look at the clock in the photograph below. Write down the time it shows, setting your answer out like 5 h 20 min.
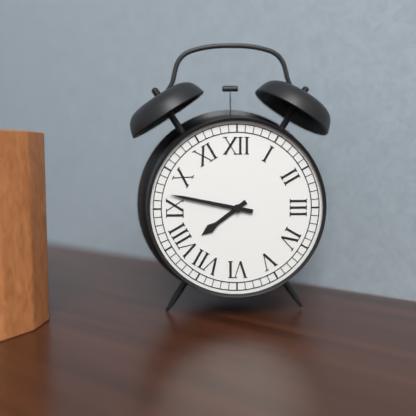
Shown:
7 h 47 min
